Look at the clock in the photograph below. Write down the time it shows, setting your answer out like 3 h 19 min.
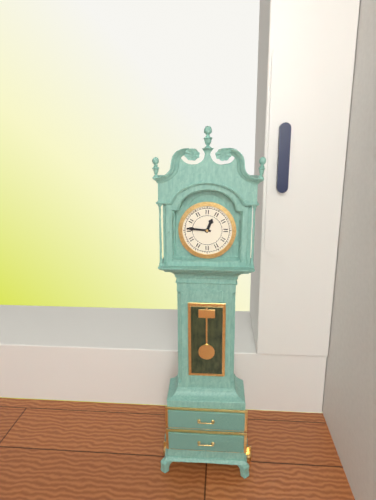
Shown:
12 h 46 min
